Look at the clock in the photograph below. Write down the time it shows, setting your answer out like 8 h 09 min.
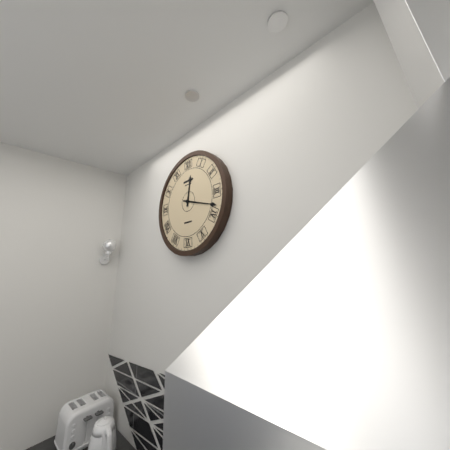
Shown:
12 h 18 min
